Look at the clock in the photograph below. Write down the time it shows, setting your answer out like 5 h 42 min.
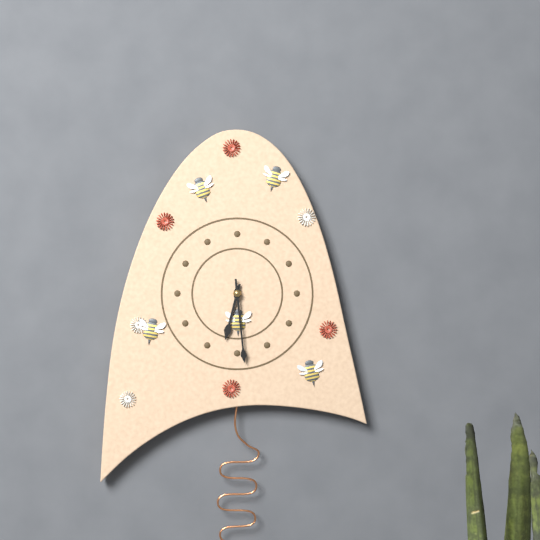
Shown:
6 h 29 min
